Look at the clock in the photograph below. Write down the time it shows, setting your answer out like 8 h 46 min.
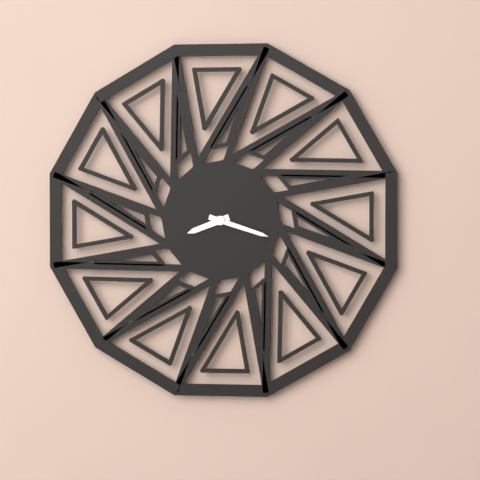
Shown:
8 h 18 min
